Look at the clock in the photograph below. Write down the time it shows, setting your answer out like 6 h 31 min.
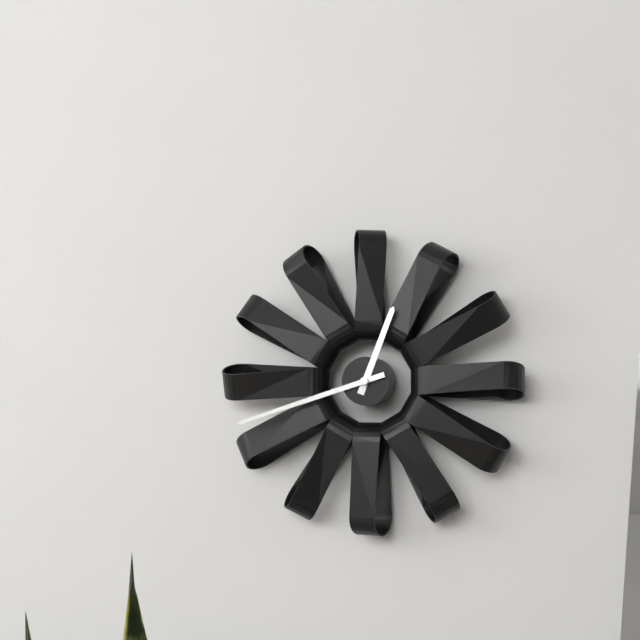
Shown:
12 h 42 min
